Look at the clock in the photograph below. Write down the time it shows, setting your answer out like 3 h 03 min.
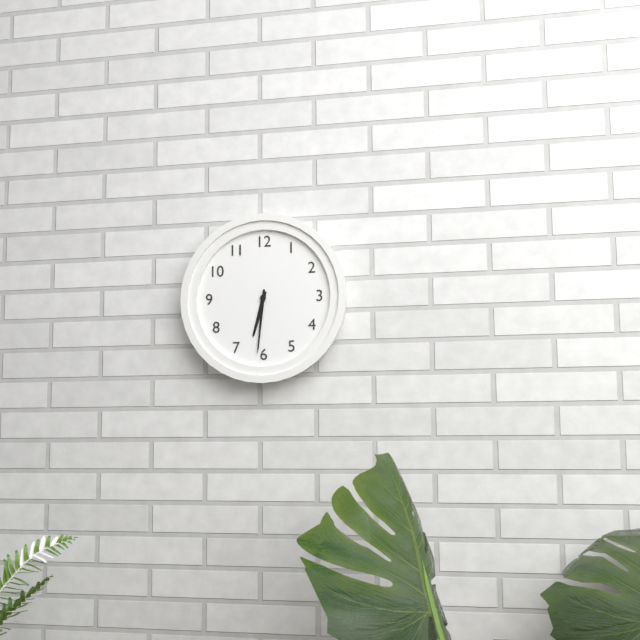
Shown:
6 h 31 min
